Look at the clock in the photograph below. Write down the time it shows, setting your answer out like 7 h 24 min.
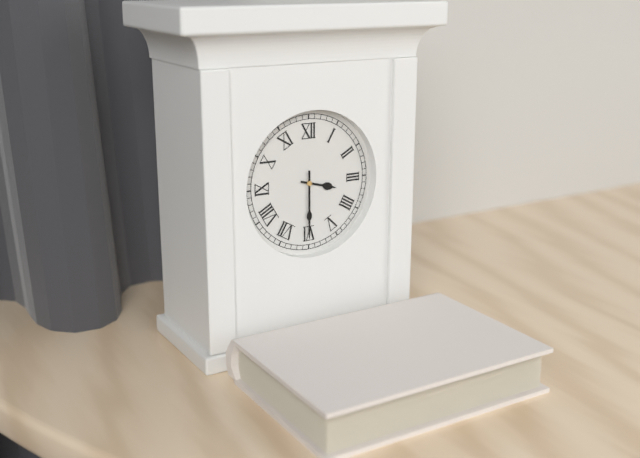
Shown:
3 h 30 min
